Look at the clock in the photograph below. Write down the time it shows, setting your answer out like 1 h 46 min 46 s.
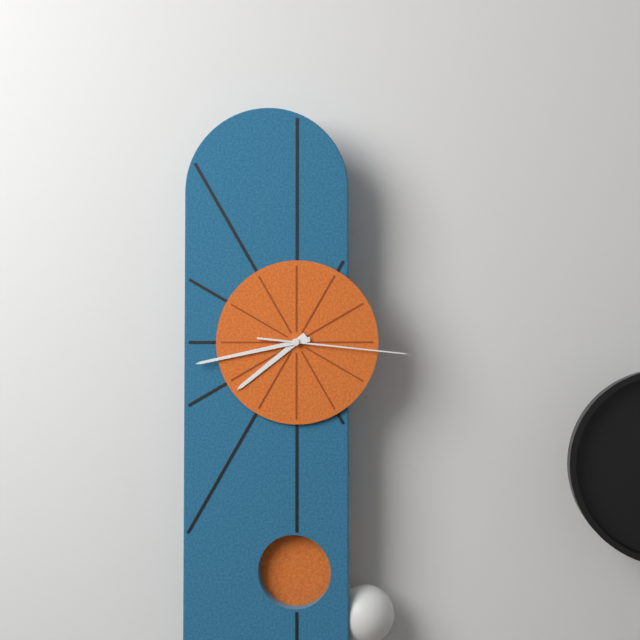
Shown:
7 h 43 min 16 s
